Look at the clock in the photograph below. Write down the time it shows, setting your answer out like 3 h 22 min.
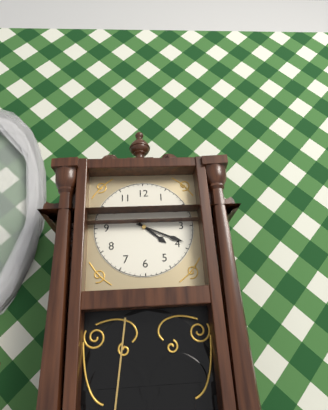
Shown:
4 h 19 min
